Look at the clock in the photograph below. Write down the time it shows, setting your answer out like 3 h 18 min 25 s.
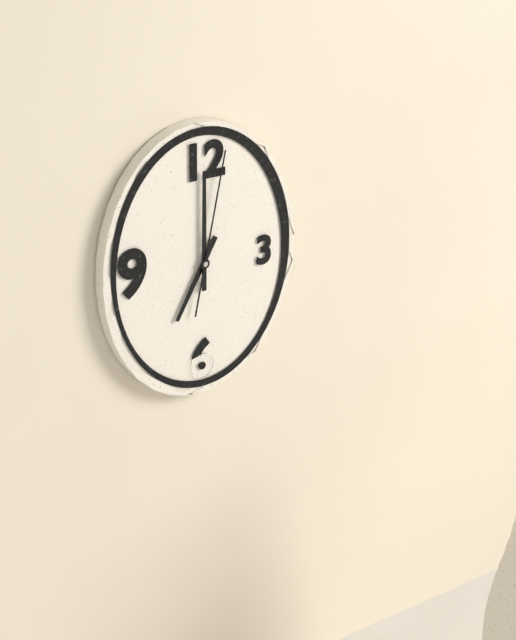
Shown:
7 h 00 min 02 s
